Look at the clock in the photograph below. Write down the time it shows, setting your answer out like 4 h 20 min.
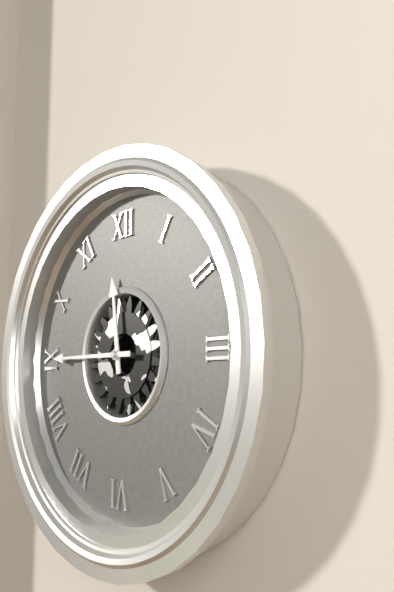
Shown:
11 h 45 min
